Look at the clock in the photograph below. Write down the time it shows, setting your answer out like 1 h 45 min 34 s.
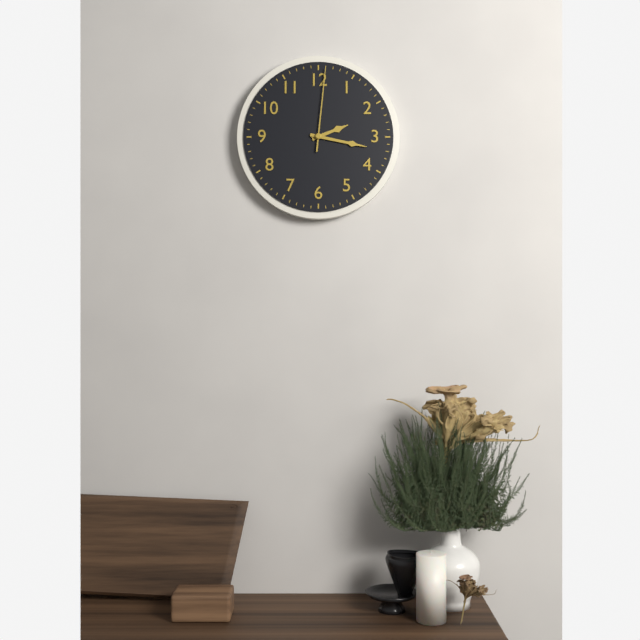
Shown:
2 h 17 min 01 s
